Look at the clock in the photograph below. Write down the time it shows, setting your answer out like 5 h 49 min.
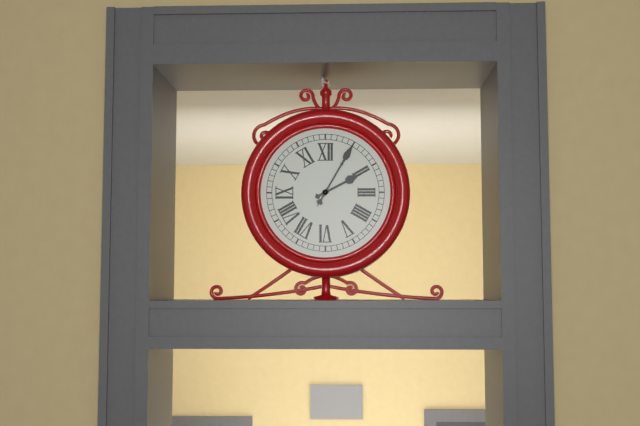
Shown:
2 h 05 min
